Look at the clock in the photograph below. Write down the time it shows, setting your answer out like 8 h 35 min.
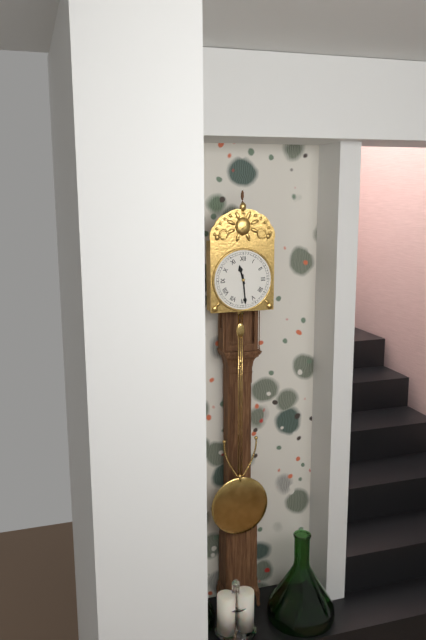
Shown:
11 h 29 min
